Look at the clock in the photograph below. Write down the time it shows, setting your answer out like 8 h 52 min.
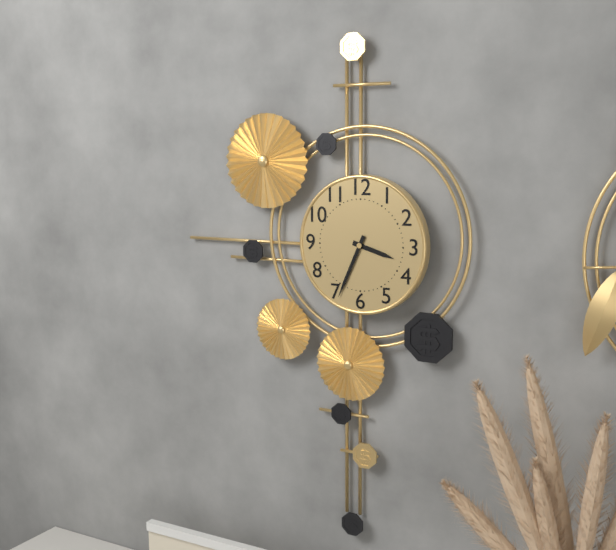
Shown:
3 h 34 min
